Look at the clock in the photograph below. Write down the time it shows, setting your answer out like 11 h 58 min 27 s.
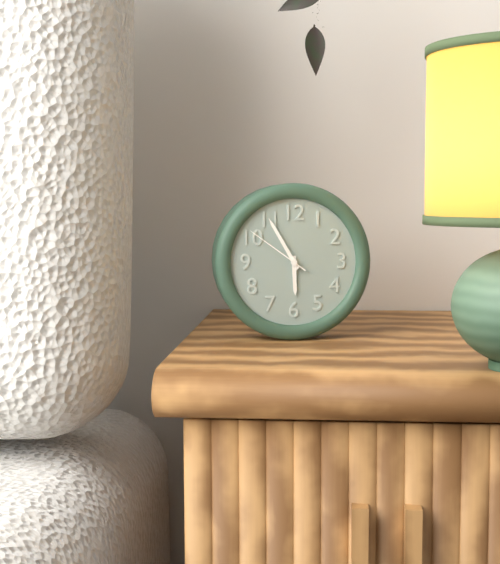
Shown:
5 h 55 min 51 s
